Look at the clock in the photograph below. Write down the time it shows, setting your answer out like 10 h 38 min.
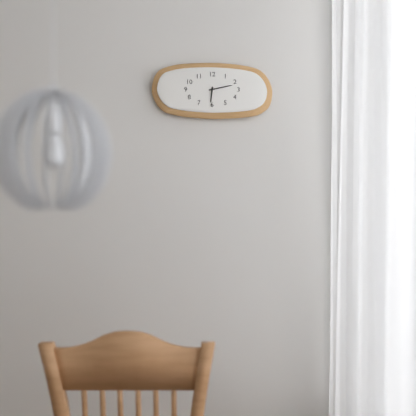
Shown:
6 h 13 min
